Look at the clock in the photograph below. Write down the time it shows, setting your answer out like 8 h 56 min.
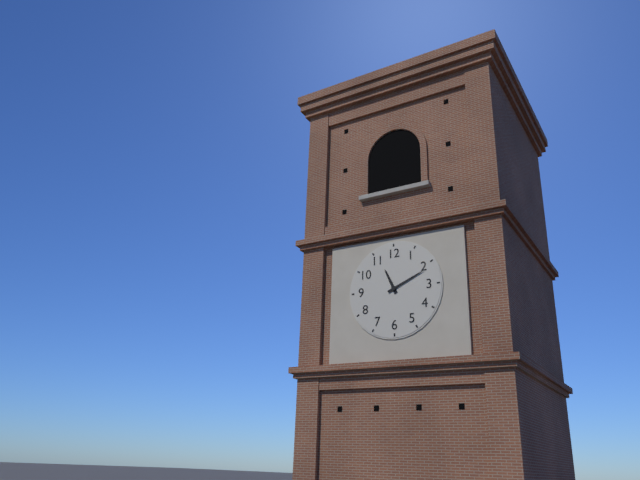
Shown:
11 h 11 min
